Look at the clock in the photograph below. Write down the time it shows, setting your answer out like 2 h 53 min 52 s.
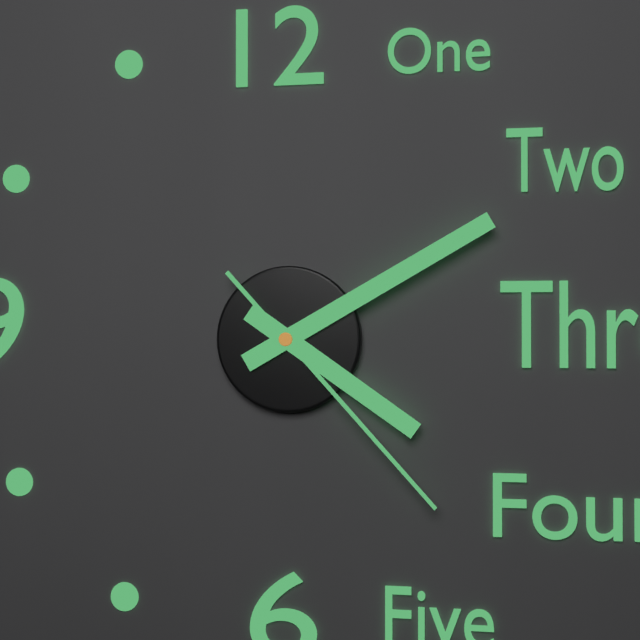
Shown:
4 h 10 min 23 s
